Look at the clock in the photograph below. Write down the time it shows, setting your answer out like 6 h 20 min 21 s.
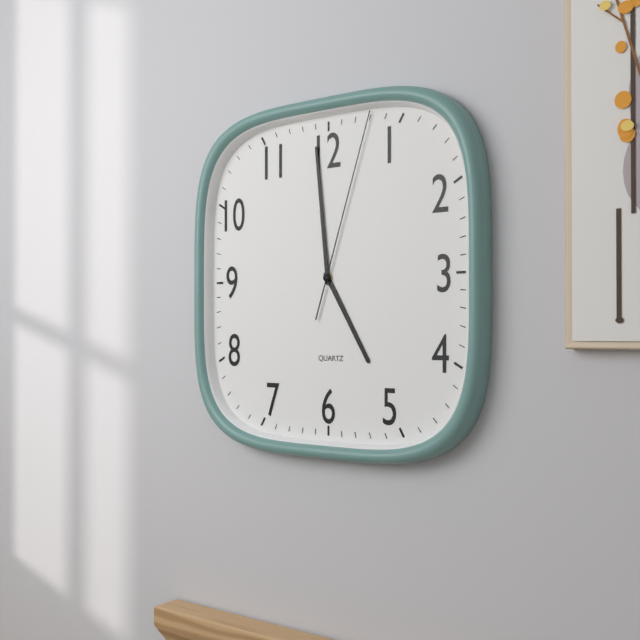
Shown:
4 h 59 min 03 s
